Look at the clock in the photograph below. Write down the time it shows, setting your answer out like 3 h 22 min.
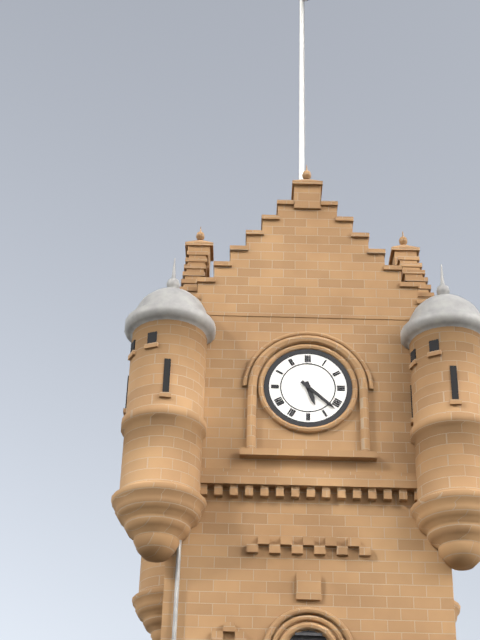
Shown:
5 h 22 min
